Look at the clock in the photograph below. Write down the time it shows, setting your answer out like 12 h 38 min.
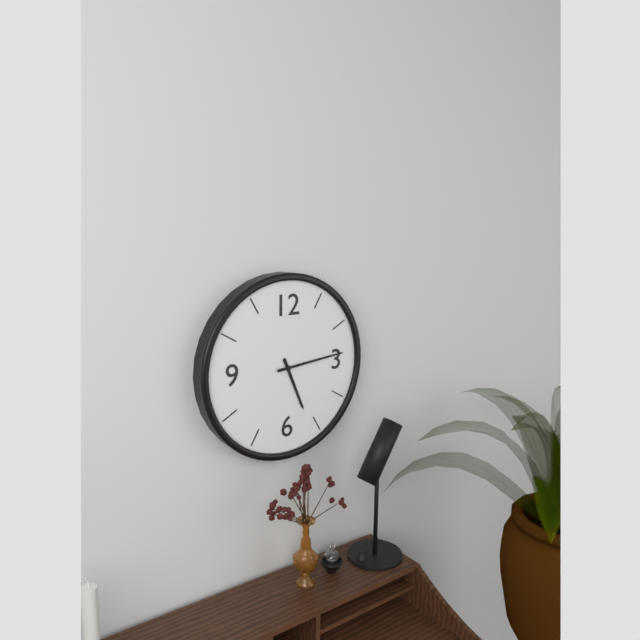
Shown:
5 h 14 min
